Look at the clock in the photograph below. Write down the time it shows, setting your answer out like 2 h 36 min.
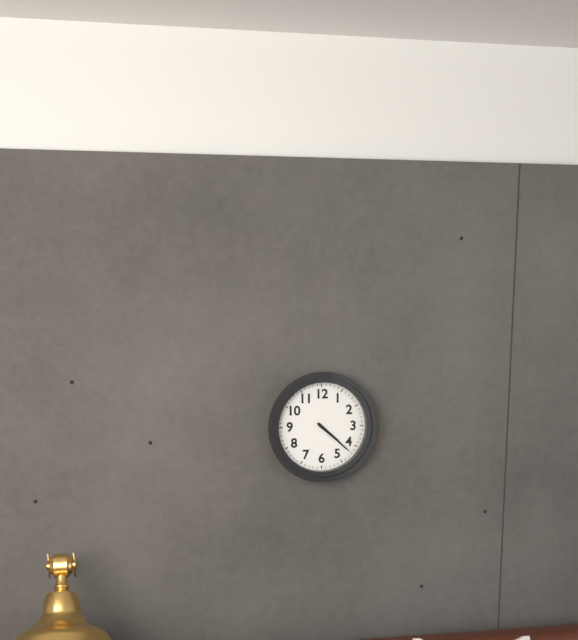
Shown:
4 h 22 min
